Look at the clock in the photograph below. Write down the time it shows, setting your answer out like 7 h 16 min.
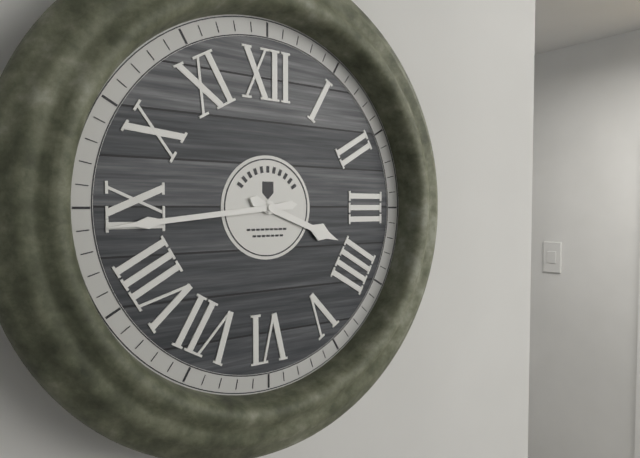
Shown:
3 h 44 min
